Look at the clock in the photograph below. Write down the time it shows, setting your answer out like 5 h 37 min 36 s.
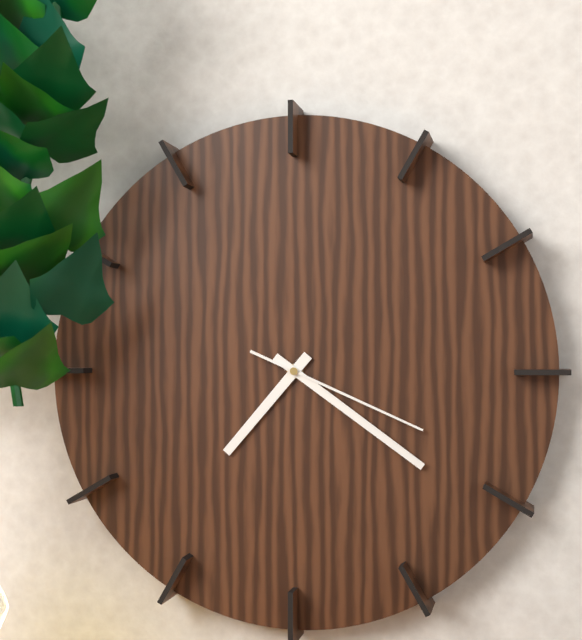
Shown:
7 h 21 min 19 s
